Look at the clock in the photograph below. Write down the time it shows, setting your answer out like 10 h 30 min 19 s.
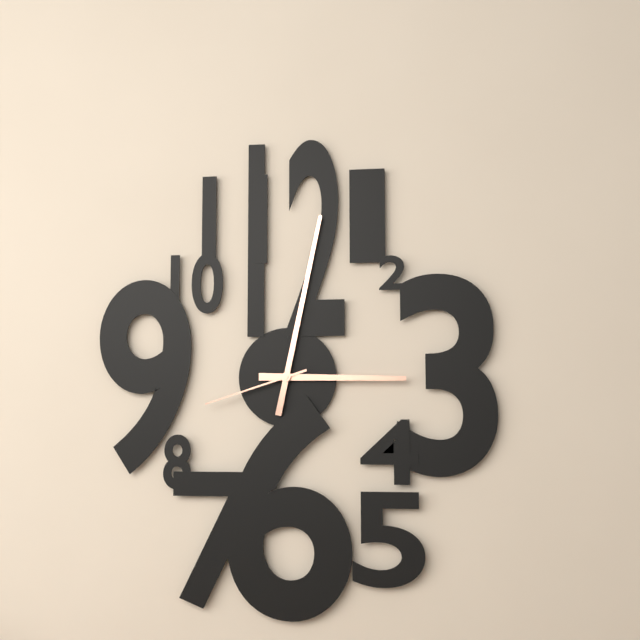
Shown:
3 h 02 min 42 s
